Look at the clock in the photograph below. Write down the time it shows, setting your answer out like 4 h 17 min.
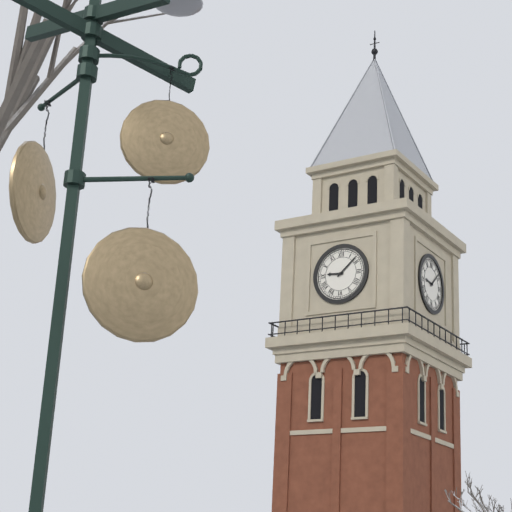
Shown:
9 h 08 min
